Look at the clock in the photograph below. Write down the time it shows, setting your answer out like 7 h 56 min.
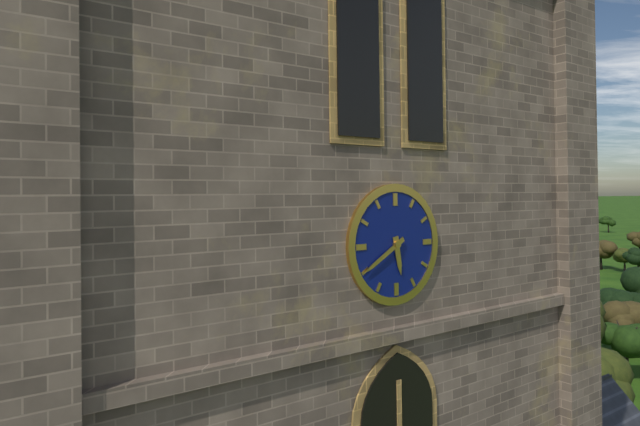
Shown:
5 h 40 min
